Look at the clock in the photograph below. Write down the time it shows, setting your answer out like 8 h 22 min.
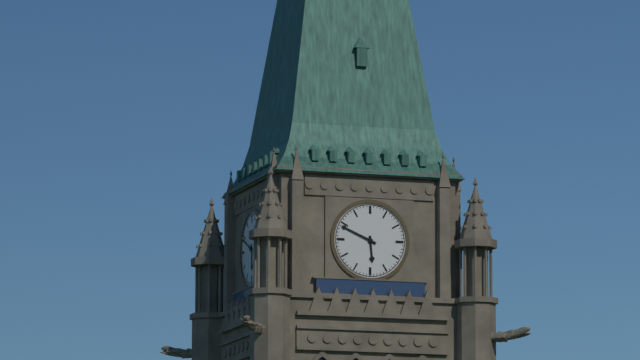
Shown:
5 h 49 min
